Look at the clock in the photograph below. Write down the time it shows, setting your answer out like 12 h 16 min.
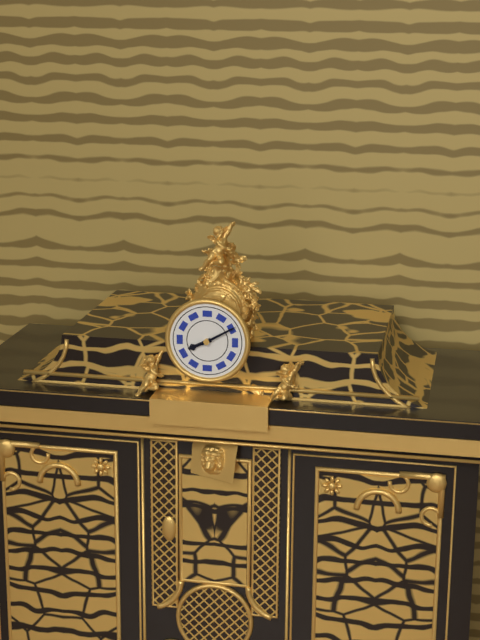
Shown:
8 h 10 min
